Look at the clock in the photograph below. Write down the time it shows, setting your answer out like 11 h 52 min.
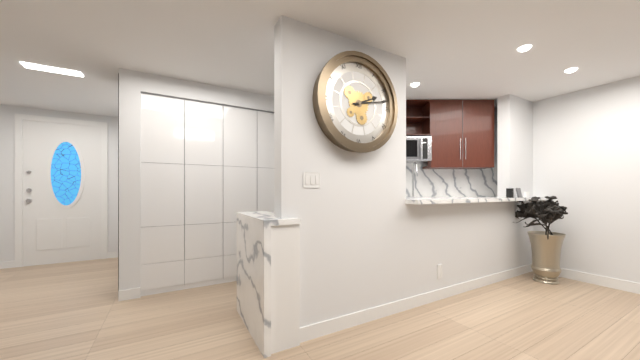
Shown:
2 h 13 min
